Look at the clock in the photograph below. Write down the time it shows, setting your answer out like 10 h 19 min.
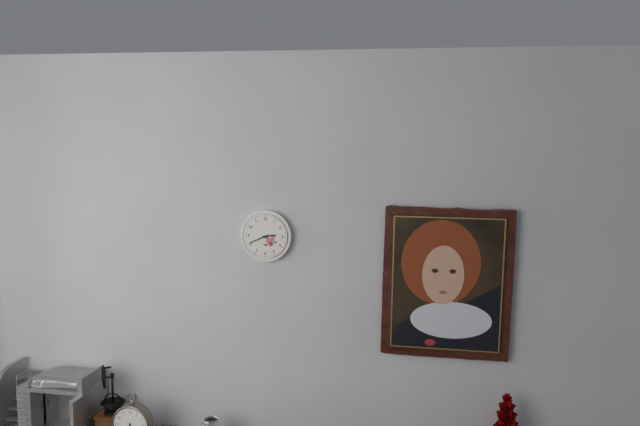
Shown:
2 h 41 min
